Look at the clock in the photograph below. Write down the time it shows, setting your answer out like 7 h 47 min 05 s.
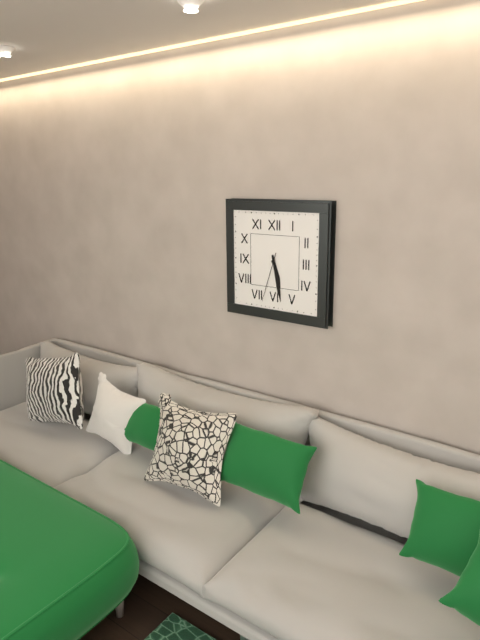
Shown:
5 h 28 min 33 s
